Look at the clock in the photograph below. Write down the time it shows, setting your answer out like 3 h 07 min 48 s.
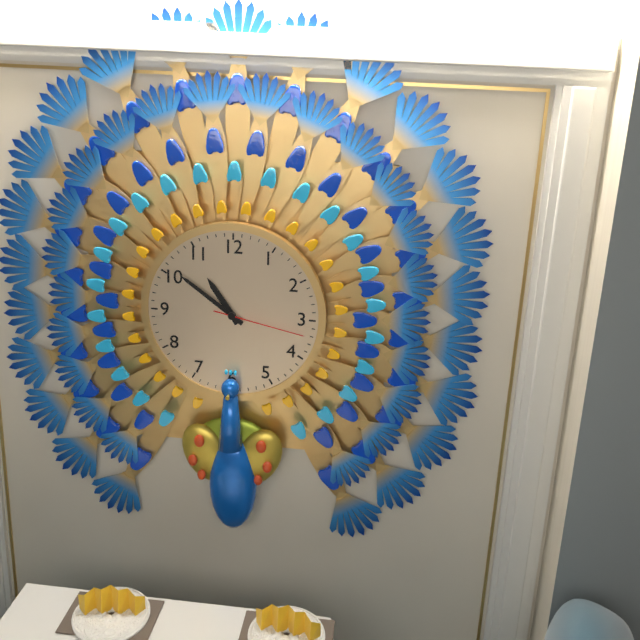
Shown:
10 h 51 min 17 s
